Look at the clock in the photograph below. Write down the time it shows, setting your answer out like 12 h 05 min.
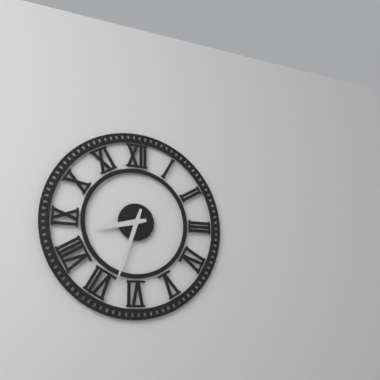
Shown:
8 h 33 min
